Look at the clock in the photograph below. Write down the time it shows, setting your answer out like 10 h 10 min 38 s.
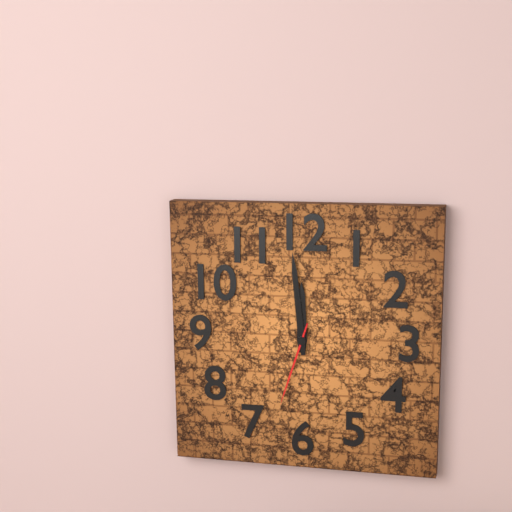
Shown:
11 h 59 min 33 s
